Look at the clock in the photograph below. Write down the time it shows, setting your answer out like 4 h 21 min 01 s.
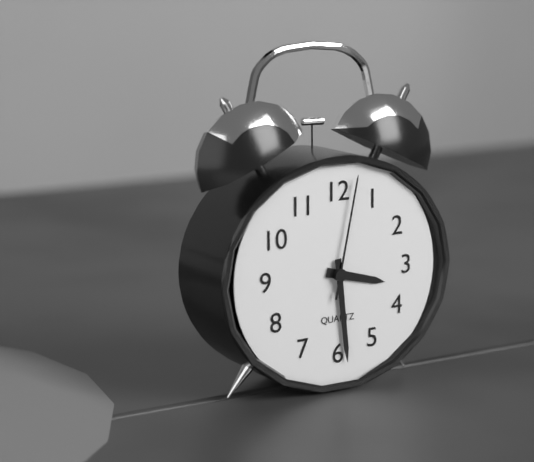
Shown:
3 h 29 min 02 s
